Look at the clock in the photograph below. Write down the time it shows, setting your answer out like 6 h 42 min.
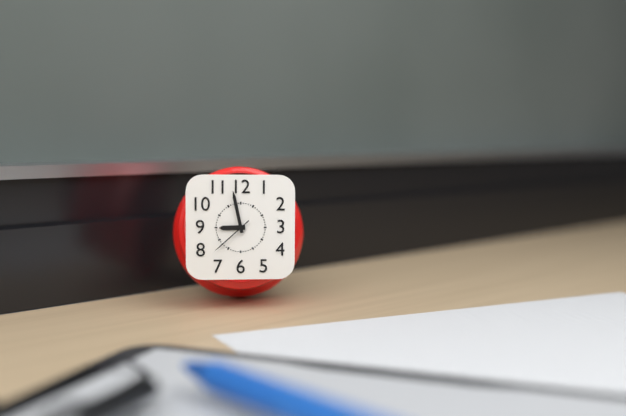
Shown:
8 h 58 min
